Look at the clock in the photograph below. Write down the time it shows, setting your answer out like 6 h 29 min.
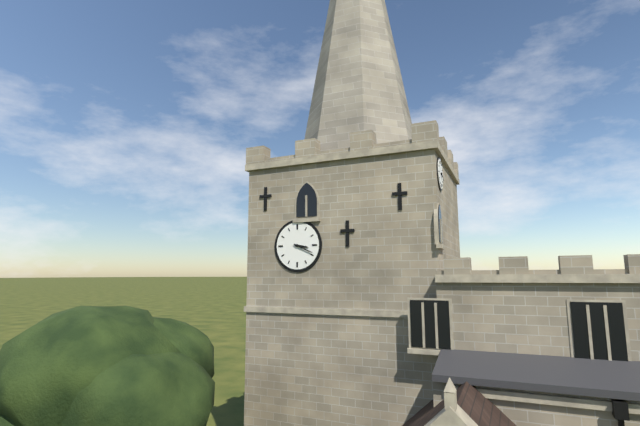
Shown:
3 h 19 min
